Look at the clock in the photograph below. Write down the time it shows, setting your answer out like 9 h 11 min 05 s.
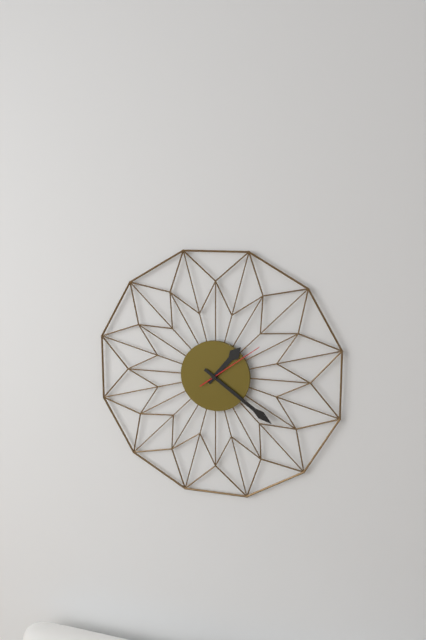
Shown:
1 h 21 min 09 s
